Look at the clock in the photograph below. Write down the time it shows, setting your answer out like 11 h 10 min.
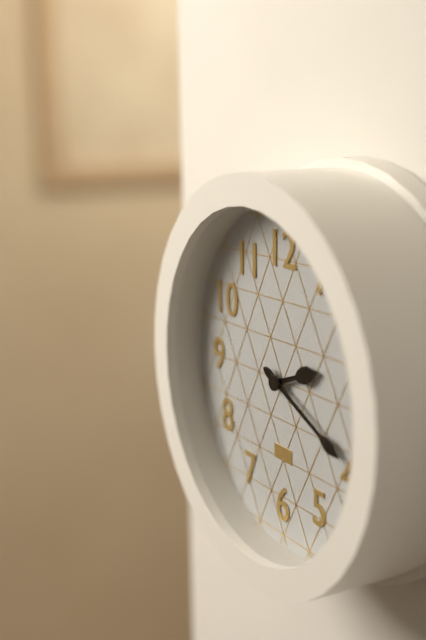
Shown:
2 h 19 min
